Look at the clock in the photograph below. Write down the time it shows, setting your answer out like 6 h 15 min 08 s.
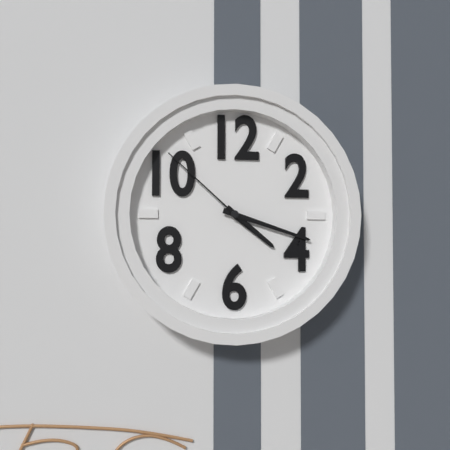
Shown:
4 h 18 min 52 s
